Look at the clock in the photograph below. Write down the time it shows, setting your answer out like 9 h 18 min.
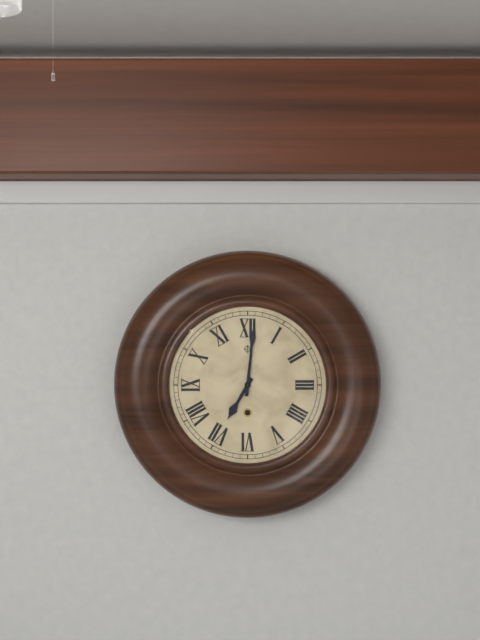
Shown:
7 h 01 min
